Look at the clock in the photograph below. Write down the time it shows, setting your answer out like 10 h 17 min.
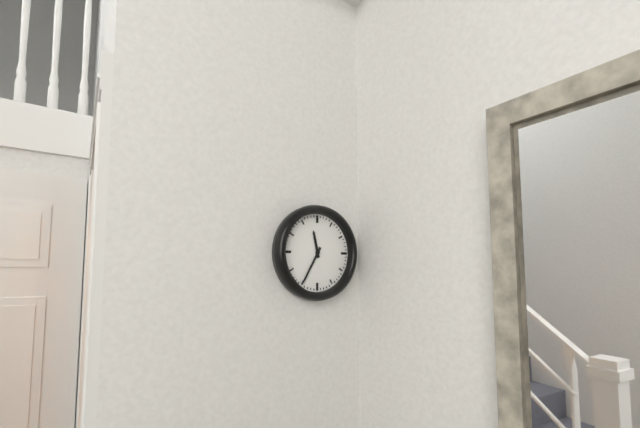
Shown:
11 h 35 min
